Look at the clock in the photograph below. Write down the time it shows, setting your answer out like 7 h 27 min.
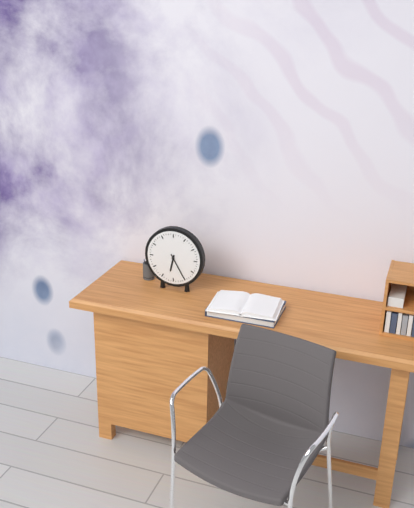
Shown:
6 h 25 min
